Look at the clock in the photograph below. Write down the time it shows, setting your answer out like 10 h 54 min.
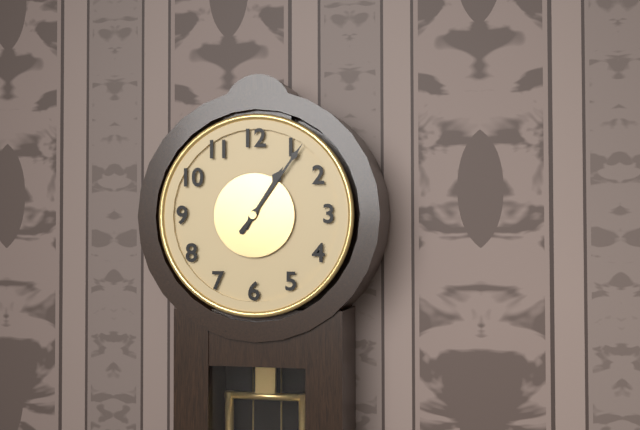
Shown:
1 h 06 min
